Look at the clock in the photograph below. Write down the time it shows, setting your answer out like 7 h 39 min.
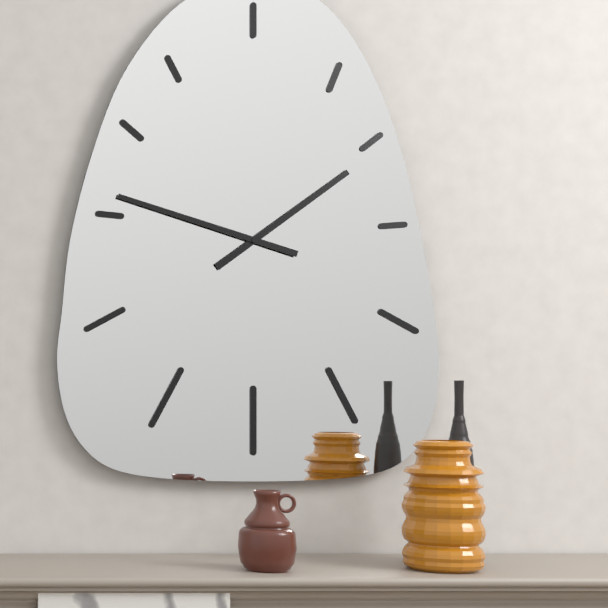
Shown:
1 h 48 min
